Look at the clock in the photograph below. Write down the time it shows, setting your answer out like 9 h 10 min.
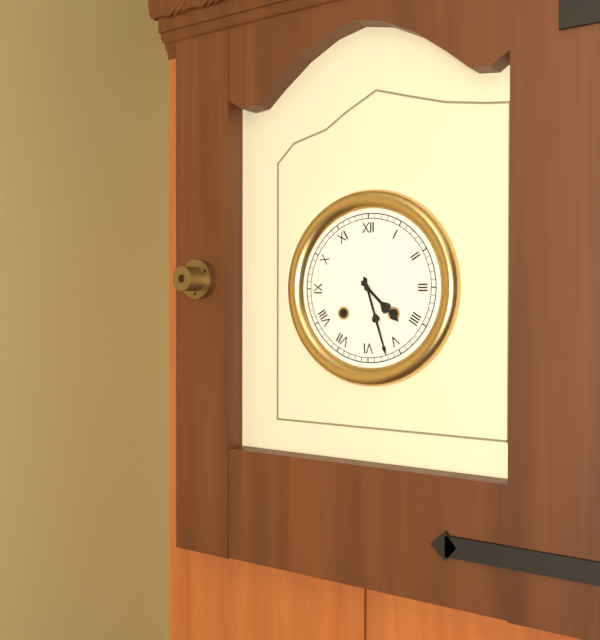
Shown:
4 h 27 min
